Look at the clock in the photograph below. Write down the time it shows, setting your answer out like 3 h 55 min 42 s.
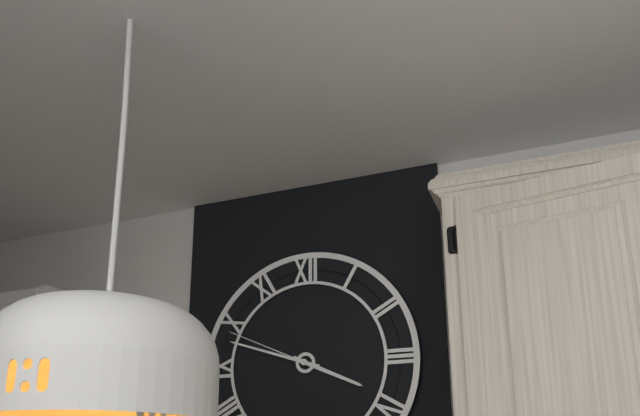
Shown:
3 h 48 min 49 s
